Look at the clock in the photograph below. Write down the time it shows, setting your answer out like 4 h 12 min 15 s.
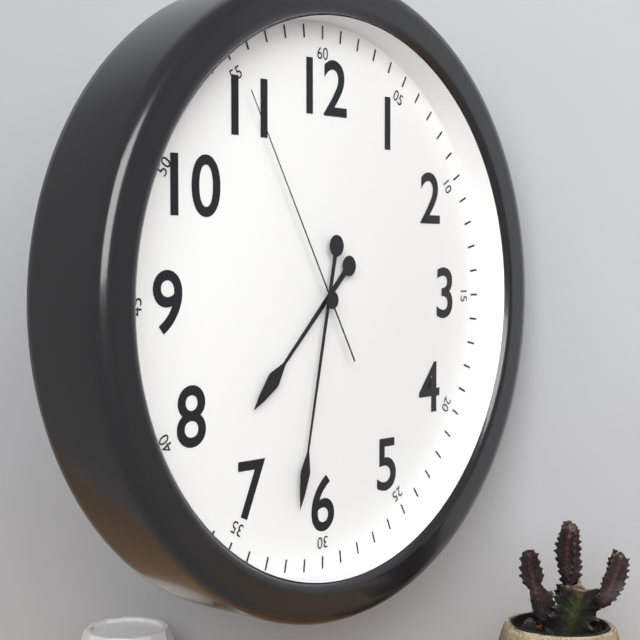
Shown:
7 h 32 min 55 s
